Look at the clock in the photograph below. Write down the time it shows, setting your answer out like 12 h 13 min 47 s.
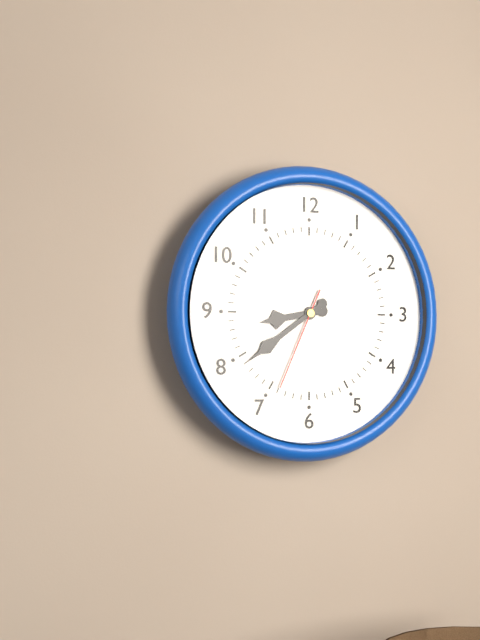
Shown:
8 h 39 min 34 s
